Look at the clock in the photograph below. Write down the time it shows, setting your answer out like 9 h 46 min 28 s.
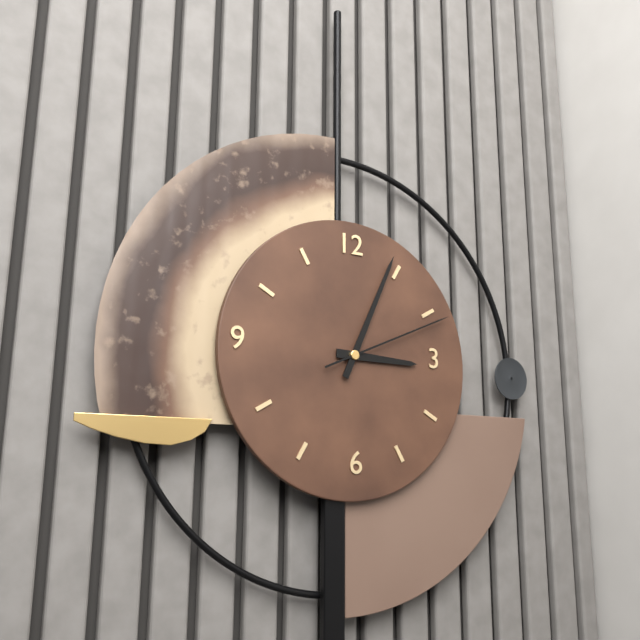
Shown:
3 h 04 min 11 s
